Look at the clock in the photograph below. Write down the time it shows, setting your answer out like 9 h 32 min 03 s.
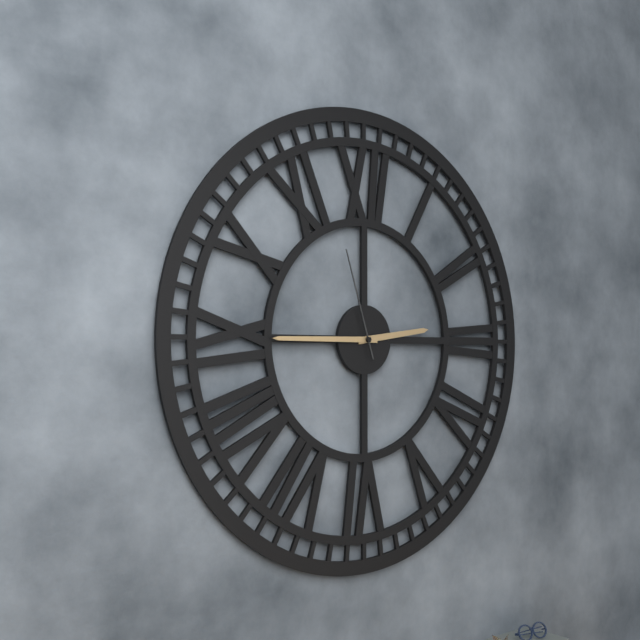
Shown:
2 h 45 min 57 s
